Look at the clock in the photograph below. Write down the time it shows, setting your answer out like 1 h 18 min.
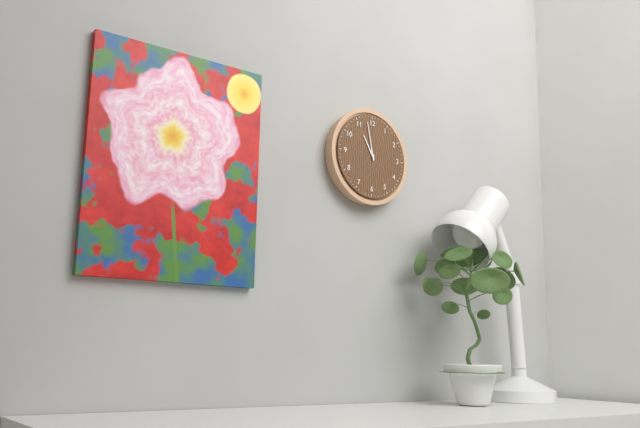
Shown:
10 h 58 min
